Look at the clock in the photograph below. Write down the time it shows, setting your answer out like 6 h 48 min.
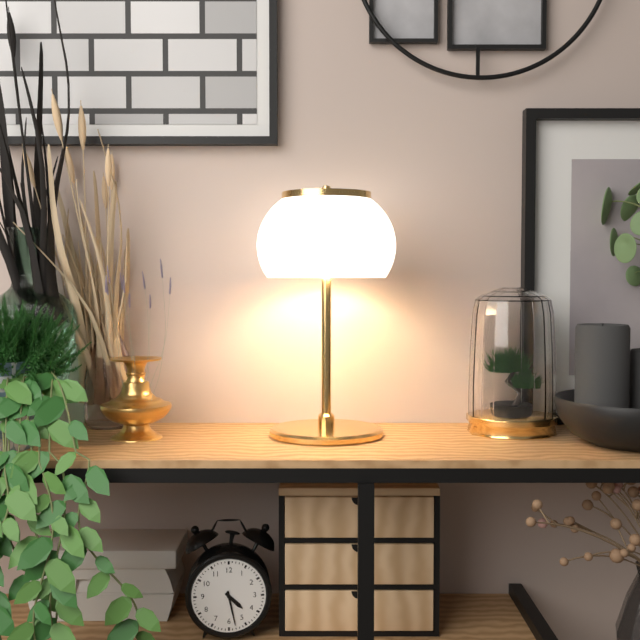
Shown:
4 h 28 min
